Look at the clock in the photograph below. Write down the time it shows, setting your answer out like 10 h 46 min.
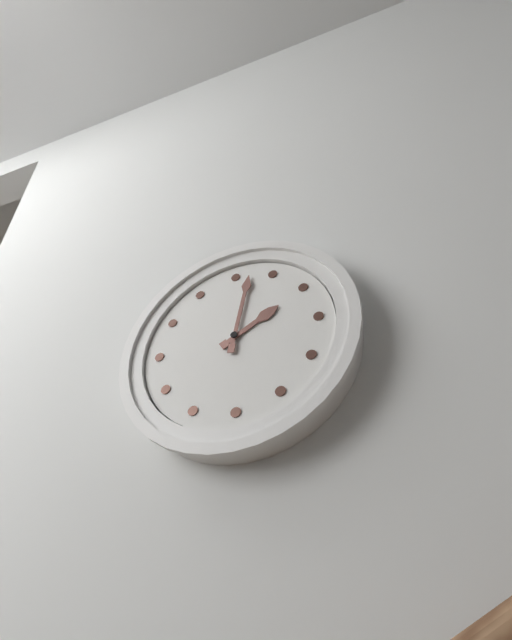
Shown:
2 h 02 min
